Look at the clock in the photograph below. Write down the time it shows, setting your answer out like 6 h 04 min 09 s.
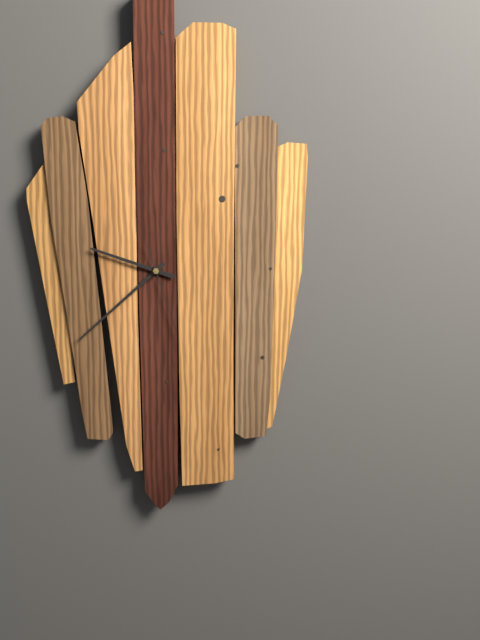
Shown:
9 h 38 min 27 s
